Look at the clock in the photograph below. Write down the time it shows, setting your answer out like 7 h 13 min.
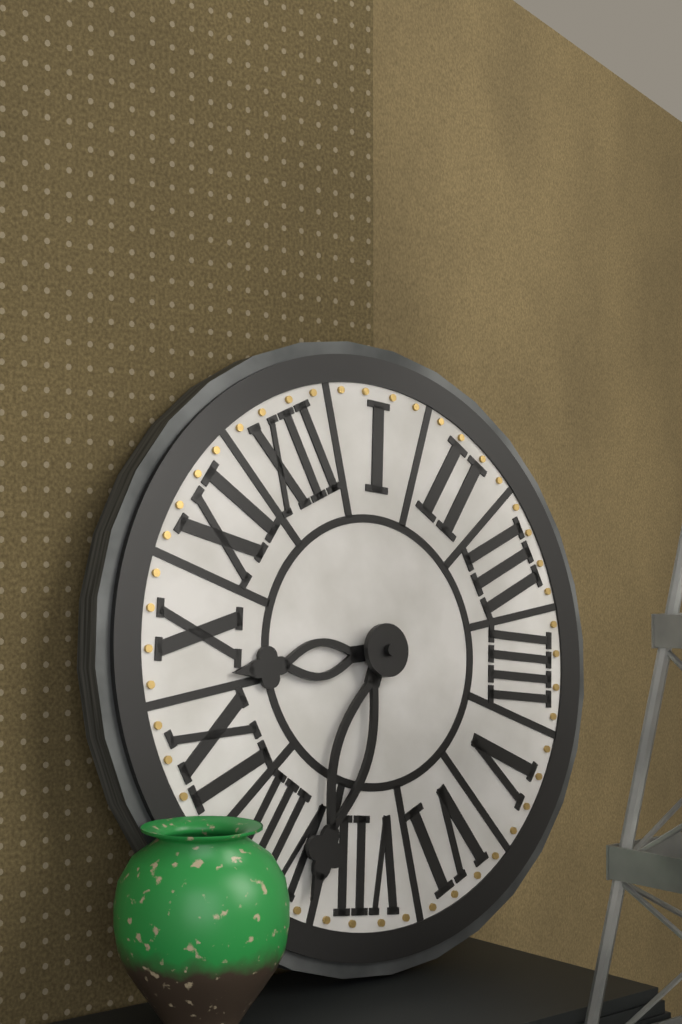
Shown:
9 h 38 min
